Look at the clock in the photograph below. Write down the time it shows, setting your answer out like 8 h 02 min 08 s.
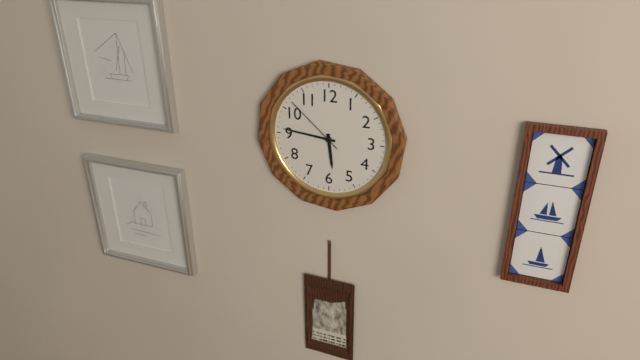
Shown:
5 h 46 min 52 s
